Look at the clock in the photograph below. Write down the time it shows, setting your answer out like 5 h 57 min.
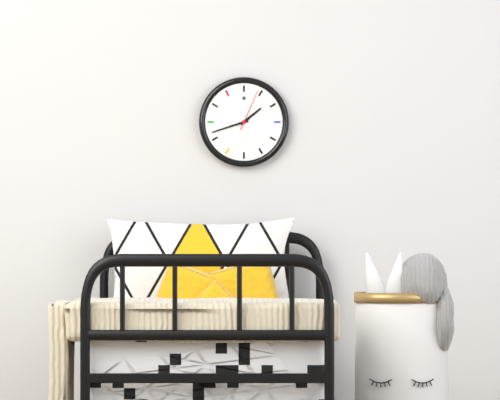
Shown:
1 h 42 min
